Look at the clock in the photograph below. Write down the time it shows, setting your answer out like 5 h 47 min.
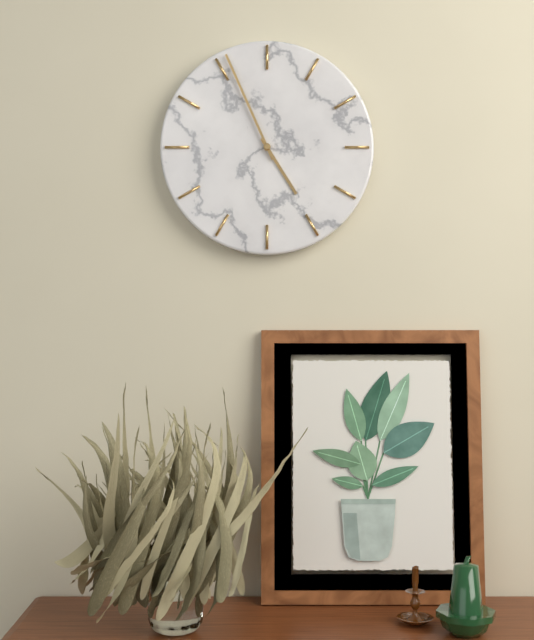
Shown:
4 h 56 min
